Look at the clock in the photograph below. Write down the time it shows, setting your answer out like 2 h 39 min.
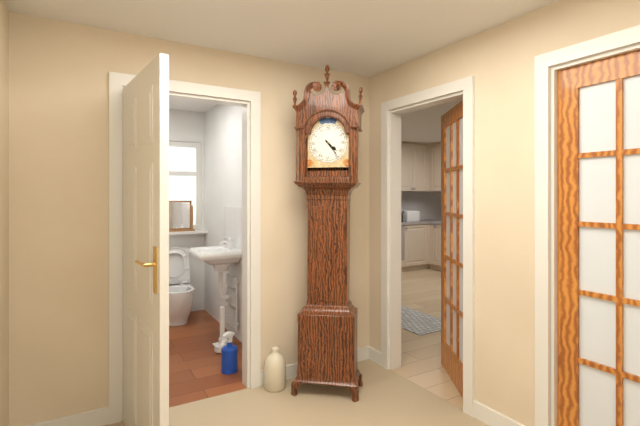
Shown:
4 h 24 min
